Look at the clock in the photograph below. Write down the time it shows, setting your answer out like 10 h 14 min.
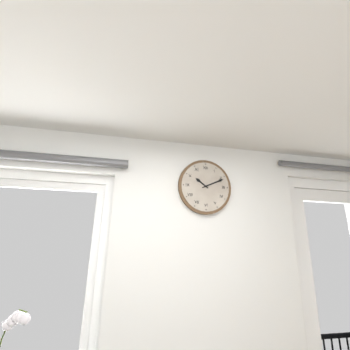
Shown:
10 h 11 min
